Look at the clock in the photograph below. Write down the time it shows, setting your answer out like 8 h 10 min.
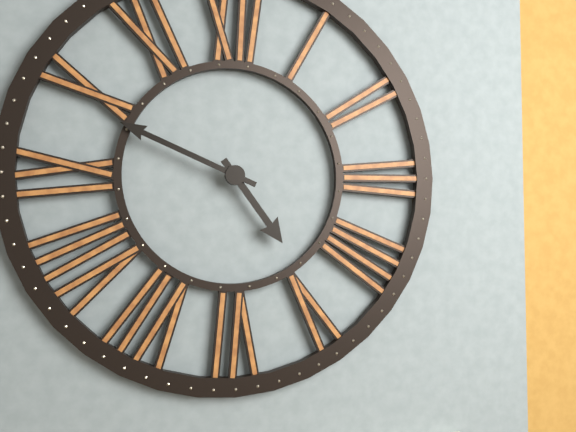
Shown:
4 h 49 min
